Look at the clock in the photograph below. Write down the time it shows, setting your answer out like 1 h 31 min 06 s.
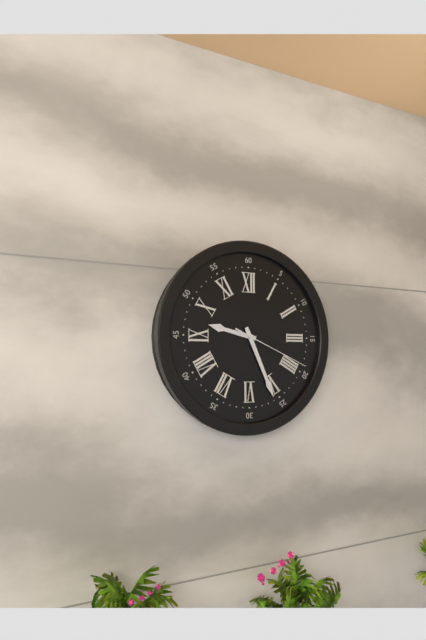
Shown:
9 h 26 min 19 s
